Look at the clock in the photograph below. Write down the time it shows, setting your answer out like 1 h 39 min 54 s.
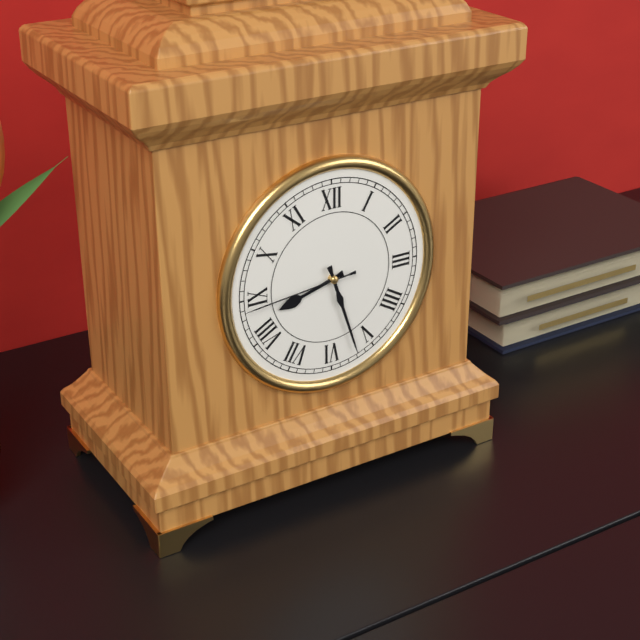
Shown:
8 h 27 min 44 s
